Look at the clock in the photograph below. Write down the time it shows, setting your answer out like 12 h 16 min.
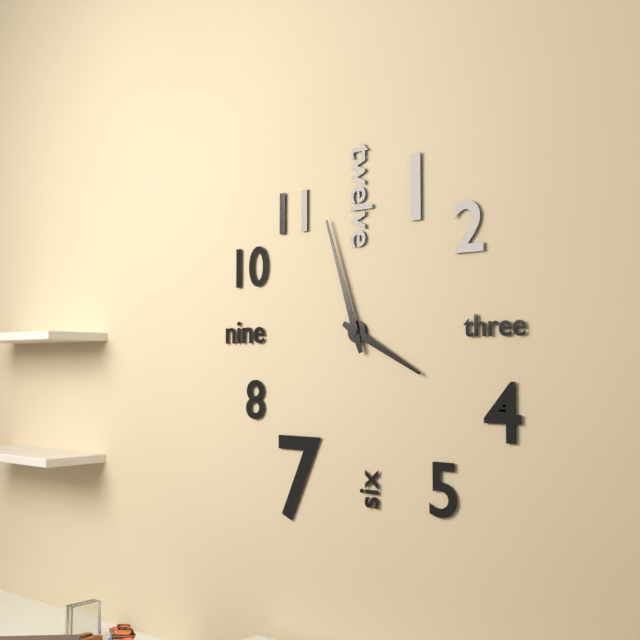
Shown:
3 h 57 min
